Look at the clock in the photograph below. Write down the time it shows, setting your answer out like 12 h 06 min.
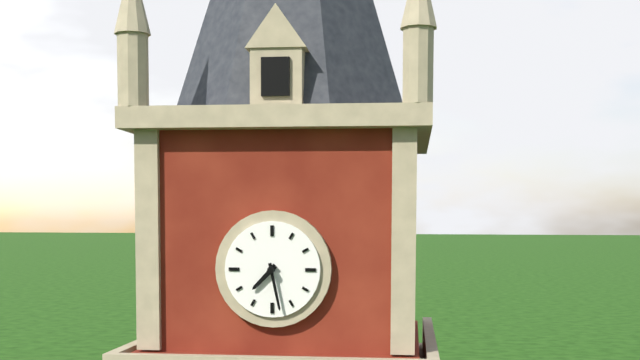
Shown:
7 h 28 min
